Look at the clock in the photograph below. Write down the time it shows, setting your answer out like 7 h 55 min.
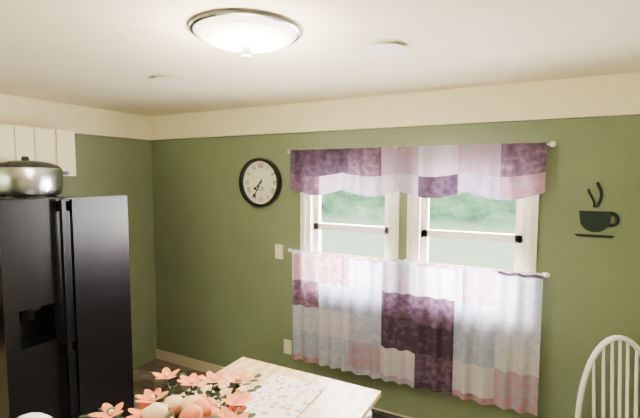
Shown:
7 h 35 min
